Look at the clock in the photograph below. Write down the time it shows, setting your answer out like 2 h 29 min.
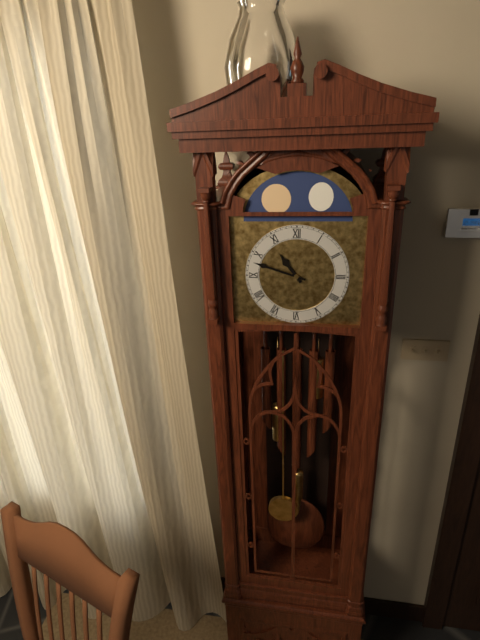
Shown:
10 h 48 min
